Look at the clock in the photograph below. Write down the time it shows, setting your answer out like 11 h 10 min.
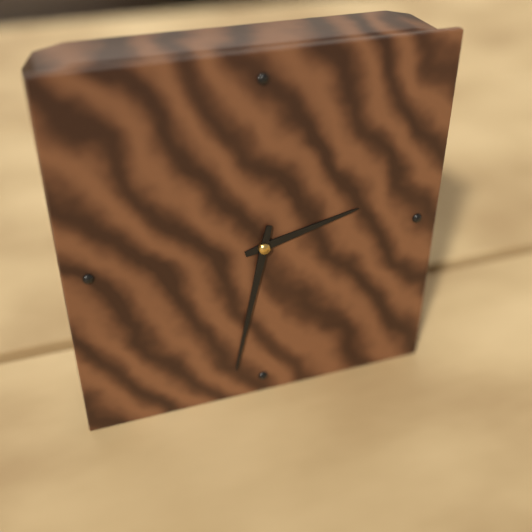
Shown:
2 h 32 min
